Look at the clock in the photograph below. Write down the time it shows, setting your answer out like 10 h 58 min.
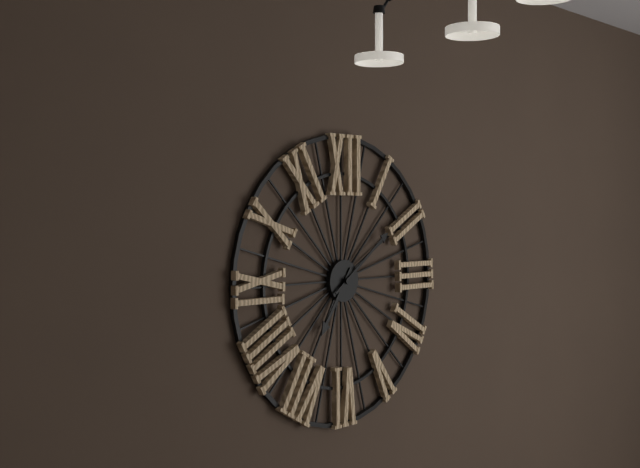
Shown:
7 h 09 min
